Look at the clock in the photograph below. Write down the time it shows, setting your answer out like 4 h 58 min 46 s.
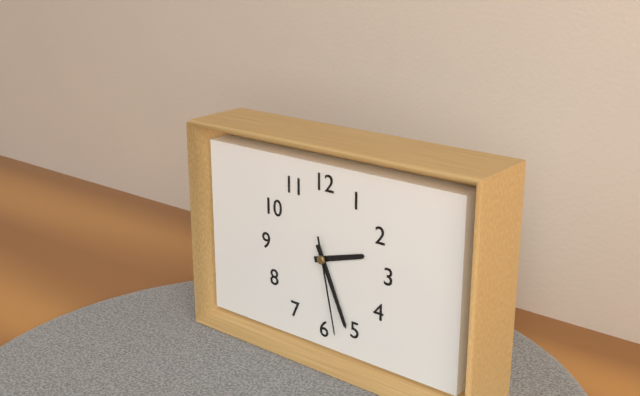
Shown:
2 h 26 min 28 s
